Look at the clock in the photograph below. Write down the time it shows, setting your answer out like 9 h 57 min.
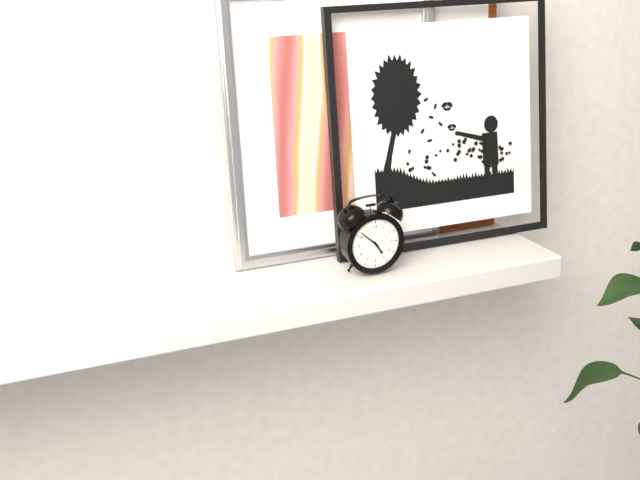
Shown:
4 h 52 min
